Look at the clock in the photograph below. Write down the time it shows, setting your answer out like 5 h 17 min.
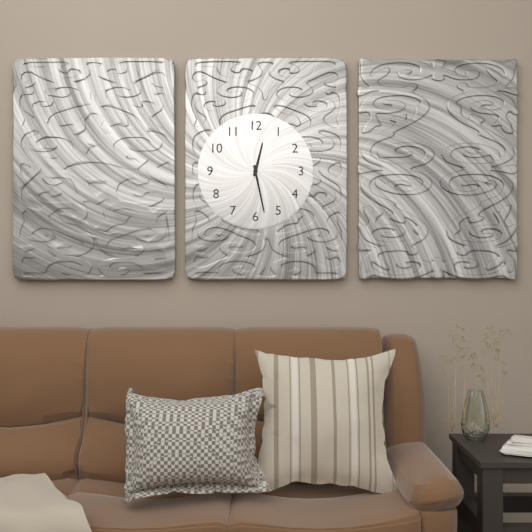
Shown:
12 h 28 min
